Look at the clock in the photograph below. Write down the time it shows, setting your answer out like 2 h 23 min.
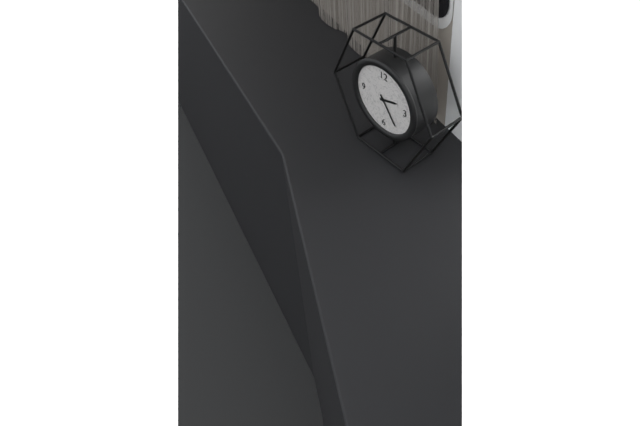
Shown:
2 h 24 min
